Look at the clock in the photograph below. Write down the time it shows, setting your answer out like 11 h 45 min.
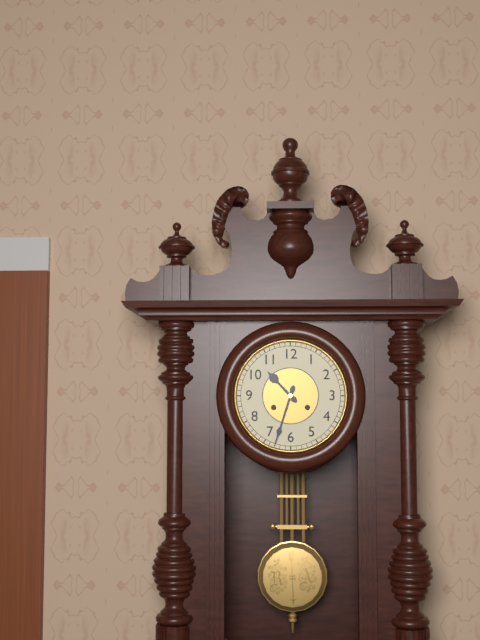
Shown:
10 h 33 min
